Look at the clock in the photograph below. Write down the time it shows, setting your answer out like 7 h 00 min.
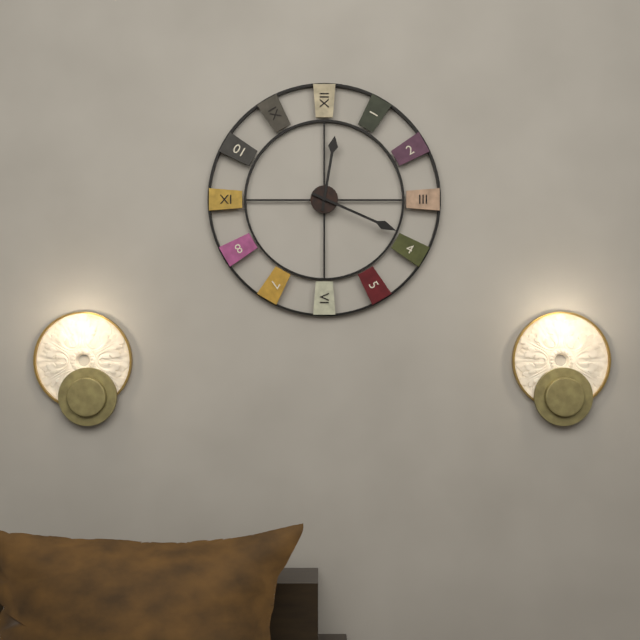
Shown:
12 h 19 min
